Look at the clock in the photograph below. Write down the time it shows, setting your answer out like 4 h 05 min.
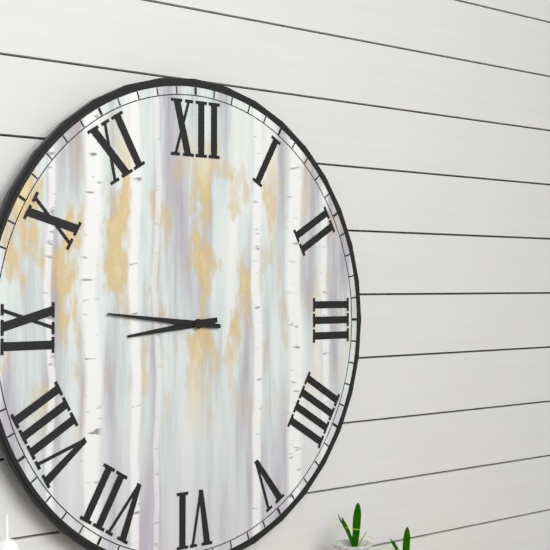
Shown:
8 h 46 min
